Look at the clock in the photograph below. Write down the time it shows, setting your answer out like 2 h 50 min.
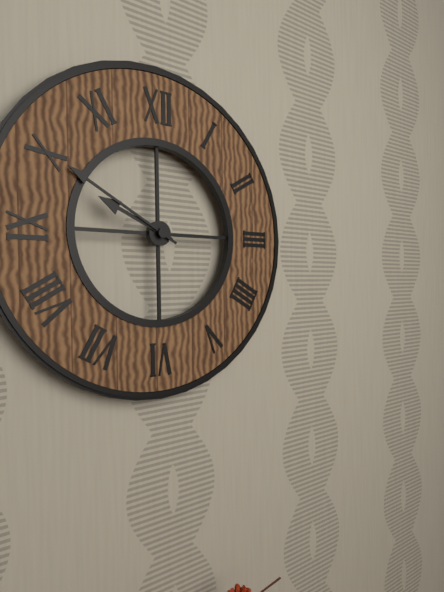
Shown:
9 h 50 min
